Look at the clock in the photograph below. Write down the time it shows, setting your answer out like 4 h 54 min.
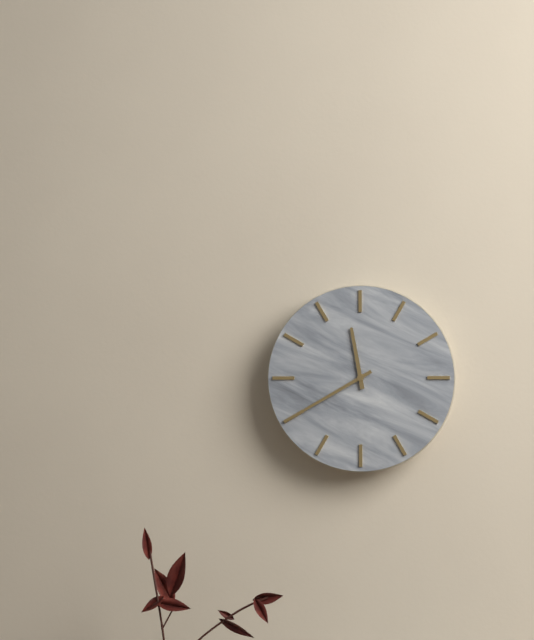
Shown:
11 h 40 min
